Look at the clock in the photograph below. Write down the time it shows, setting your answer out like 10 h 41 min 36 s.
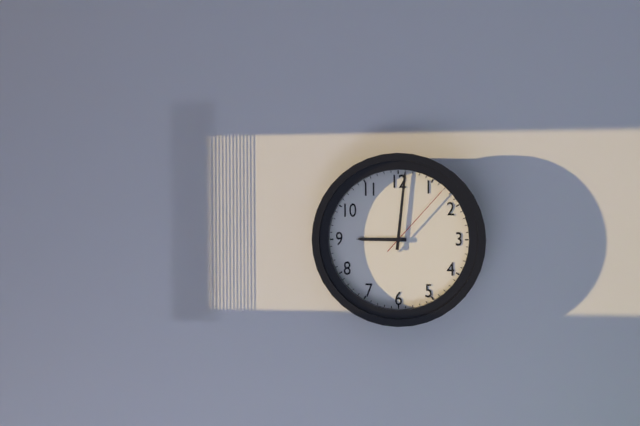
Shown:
9 h 01 min 07 s
